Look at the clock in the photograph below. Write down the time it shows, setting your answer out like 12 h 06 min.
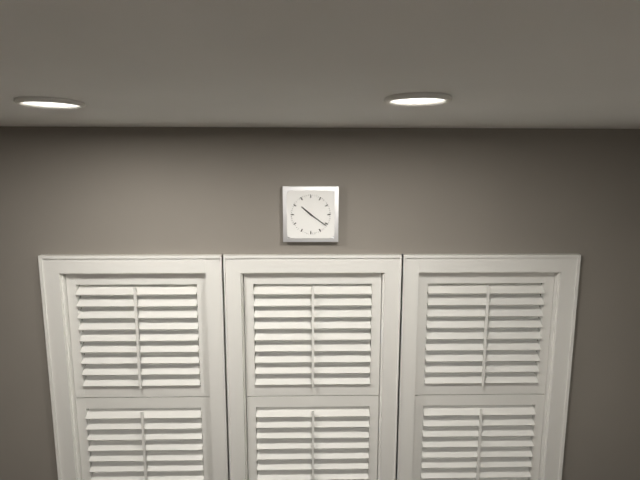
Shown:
10 h 21 min
